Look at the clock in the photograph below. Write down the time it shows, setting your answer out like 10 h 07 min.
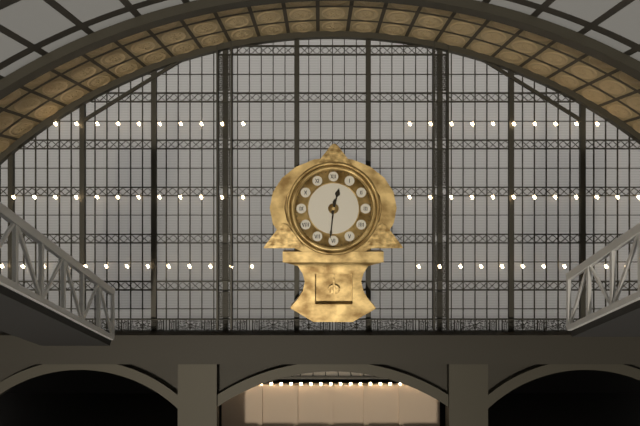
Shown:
12 h 31 min
